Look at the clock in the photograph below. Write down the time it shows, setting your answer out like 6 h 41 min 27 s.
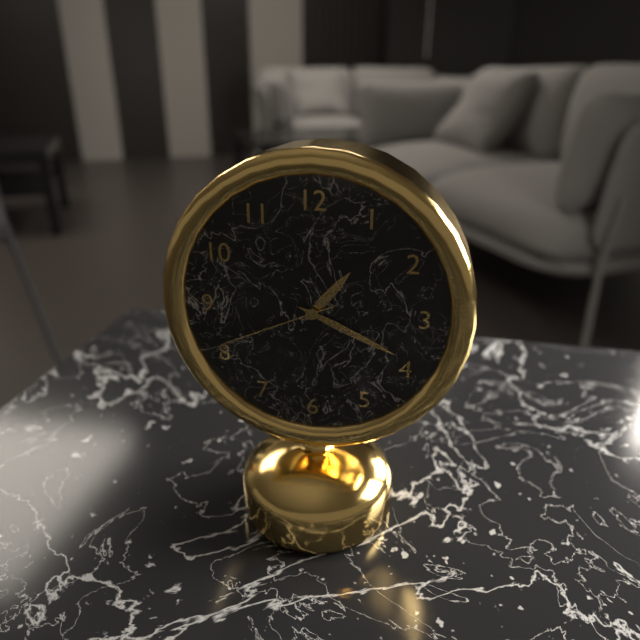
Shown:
1 h 19 min 41 s
